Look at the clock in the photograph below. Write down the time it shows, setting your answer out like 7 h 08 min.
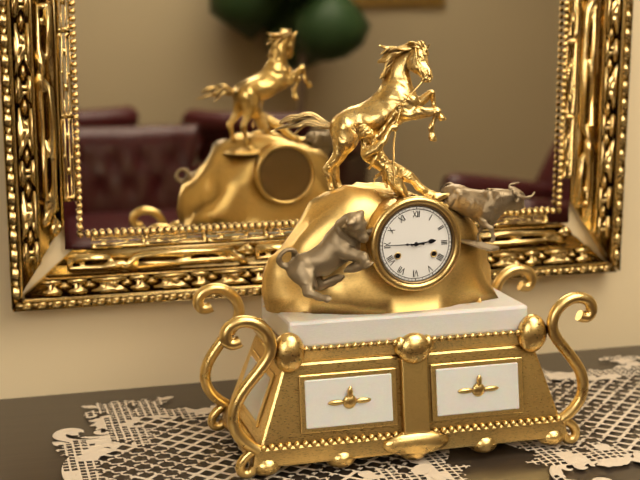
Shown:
2 h 45 min
